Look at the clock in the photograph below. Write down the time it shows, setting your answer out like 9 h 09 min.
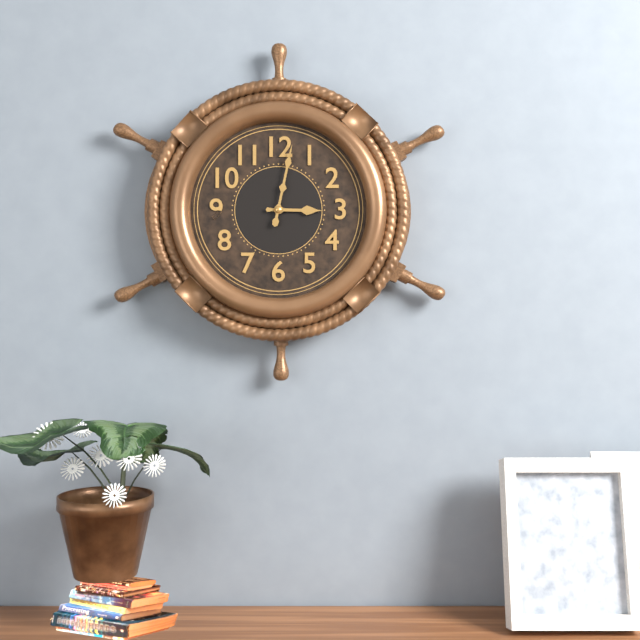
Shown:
3 h 02 min
